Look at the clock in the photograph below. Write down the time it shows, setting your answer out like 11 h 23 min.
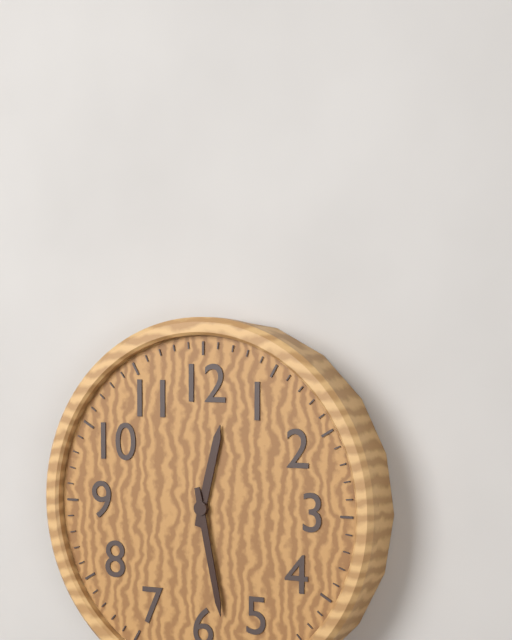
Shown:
12 h 28 min
